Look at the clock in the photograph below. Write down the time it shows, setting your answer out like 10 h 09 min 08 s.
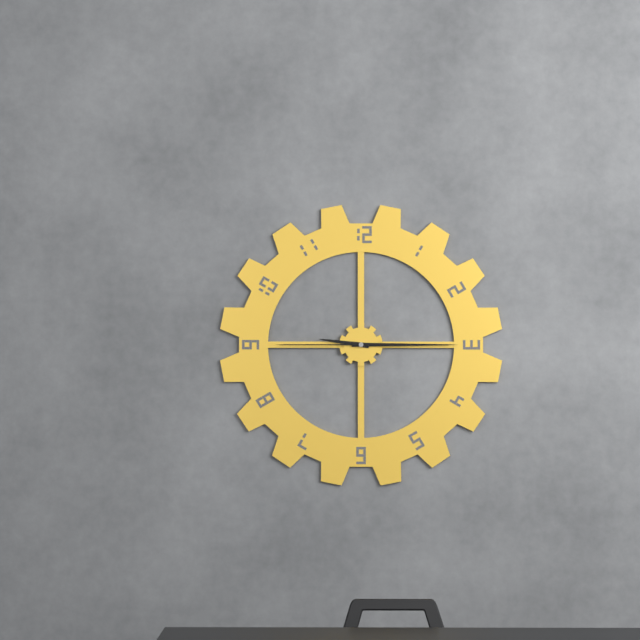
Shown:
9 h 15 min 45 s
